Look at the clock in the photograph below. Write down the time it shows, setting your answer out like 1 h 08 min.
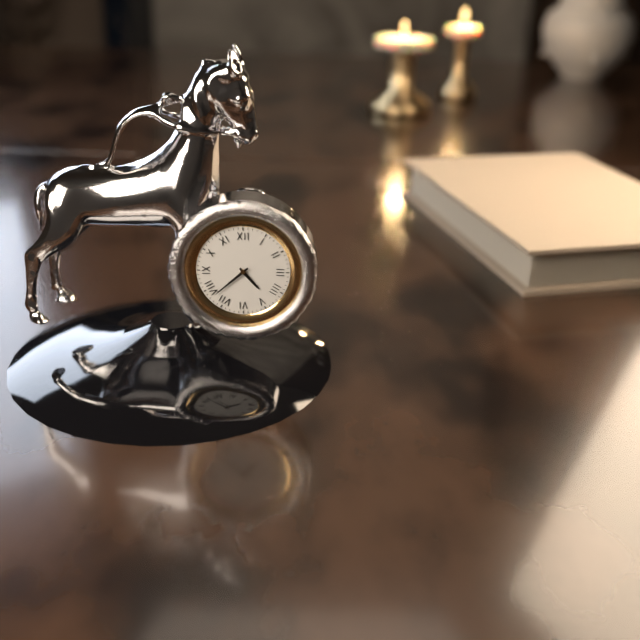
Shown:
4 h 38 min
